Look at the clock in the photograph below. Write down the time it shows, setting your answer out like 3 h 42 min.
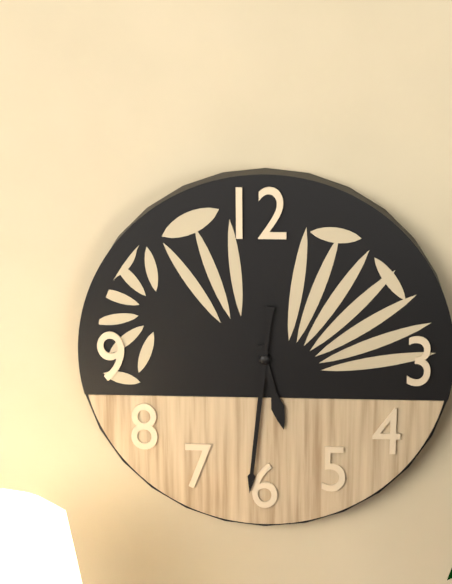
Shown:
5 h 31 min
